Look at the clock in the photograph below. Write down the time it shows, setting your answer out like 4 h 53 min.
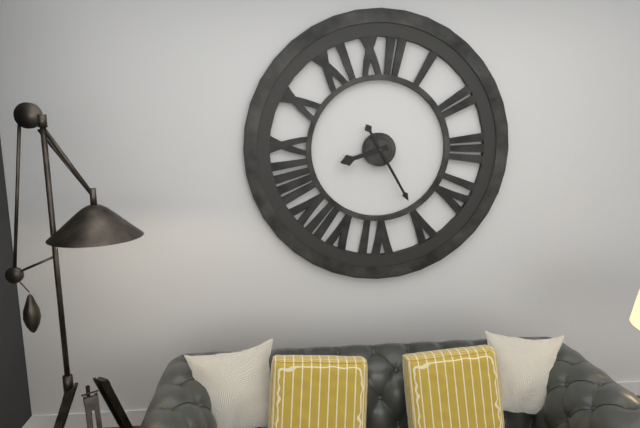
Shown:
8 h 25 min
